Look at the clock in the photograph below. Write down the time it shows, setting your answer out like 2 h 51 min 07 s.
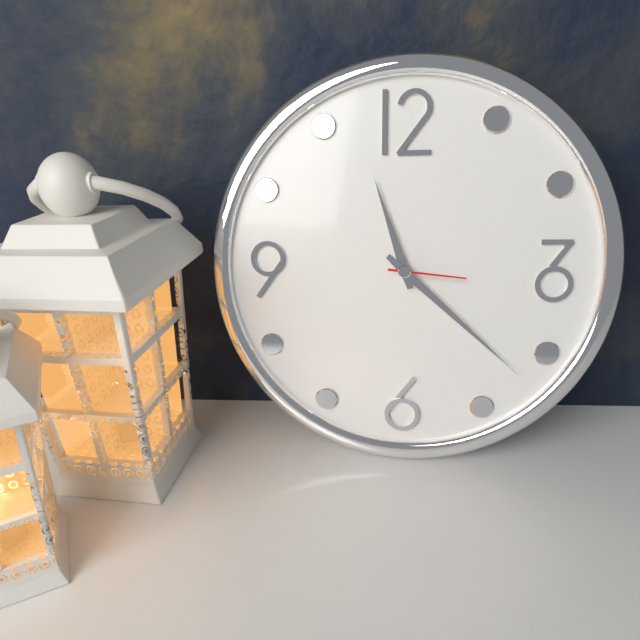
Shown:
11 h 22 min 16 s
